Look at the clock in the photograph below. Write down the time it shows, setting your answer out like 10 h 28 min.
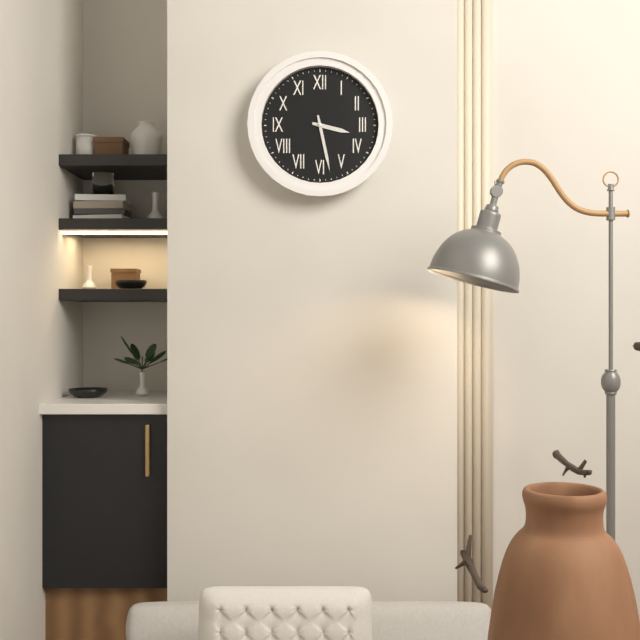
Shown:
3 h 28 min
